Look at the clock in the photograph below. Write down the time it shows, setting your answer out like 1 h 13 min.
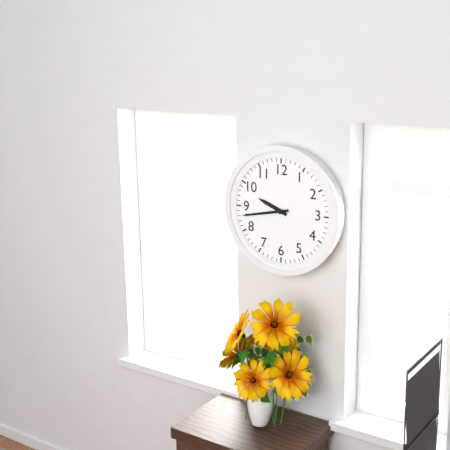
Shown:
9 h 43 min
